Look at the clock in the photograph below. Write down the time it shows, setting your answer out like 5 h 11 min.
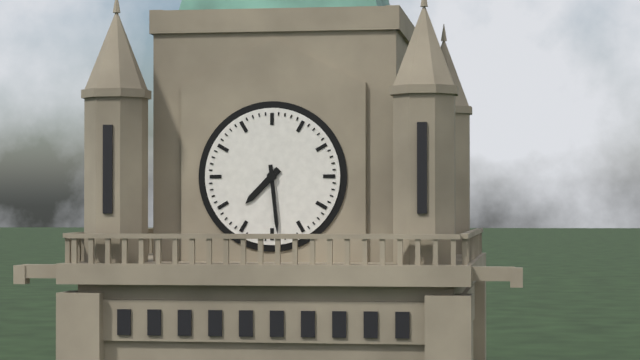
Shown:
7 h 29 min
